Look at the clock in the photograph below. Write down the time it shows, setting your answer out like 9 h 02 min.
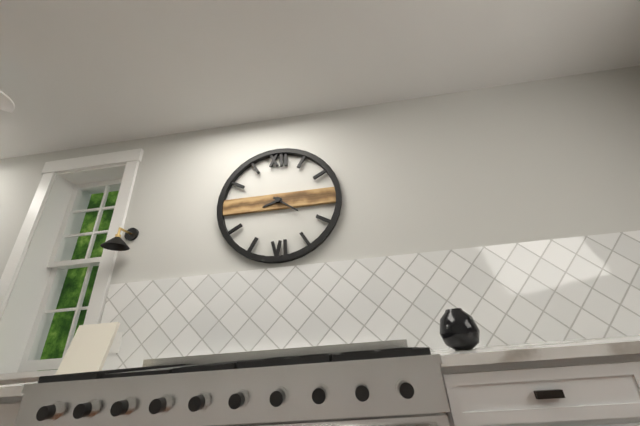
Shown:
8 h 21 min
